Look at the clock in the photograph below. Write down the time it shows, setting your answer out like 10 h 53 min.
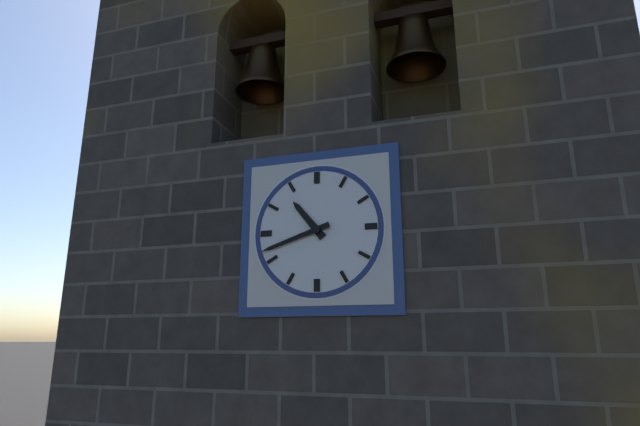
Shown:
10 h 42 min
